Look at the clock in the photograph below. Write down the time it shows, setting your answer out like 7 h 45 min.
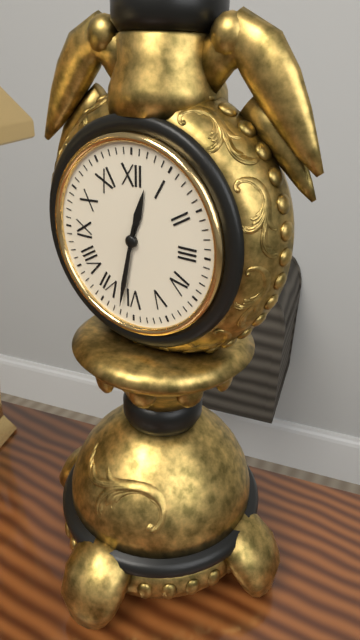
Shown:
12 h 32 min
